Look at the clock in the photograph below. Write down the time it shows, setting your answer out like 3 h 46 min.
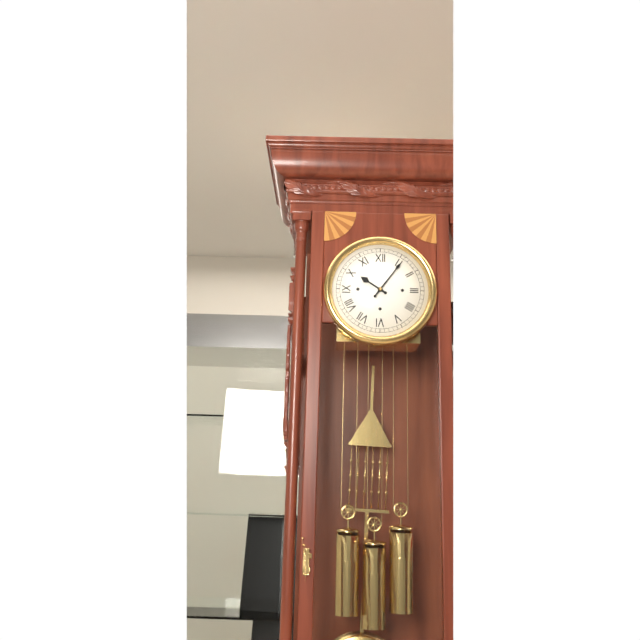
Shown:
10 h 06 min
